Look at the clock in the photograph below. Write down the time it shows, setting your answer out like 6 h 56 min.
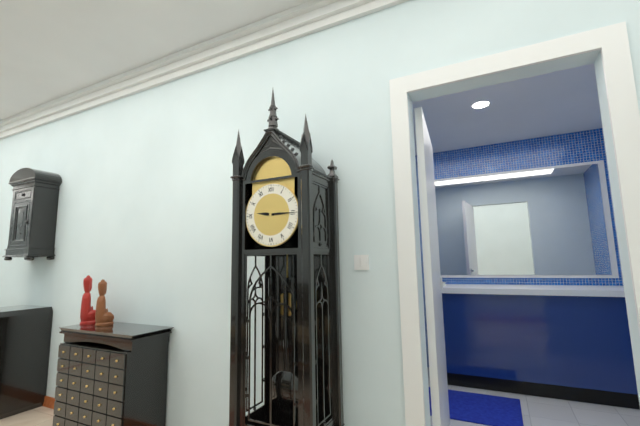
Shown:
9 h 15 min
